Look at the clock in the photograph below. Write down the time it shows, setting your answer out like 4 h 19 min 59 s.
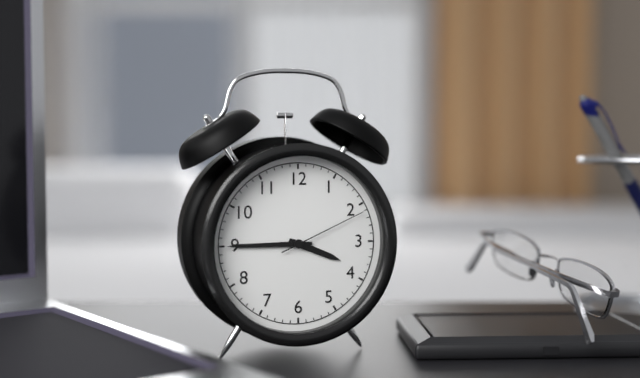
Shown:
3 h 45 min 11 s
